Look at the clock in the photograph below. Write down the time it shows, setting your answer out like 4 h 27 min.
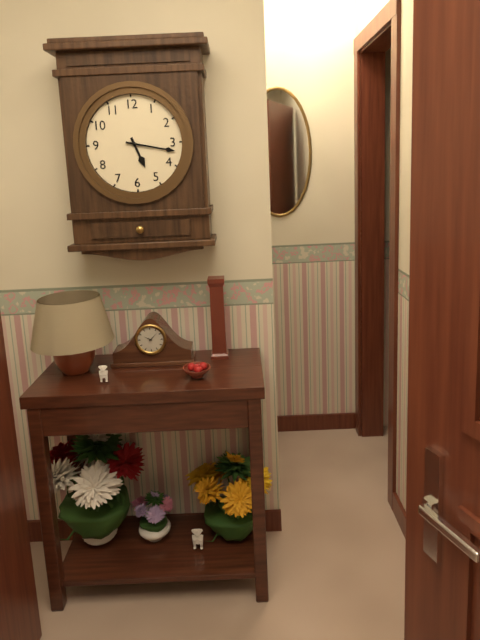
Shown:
5 h 17 min
